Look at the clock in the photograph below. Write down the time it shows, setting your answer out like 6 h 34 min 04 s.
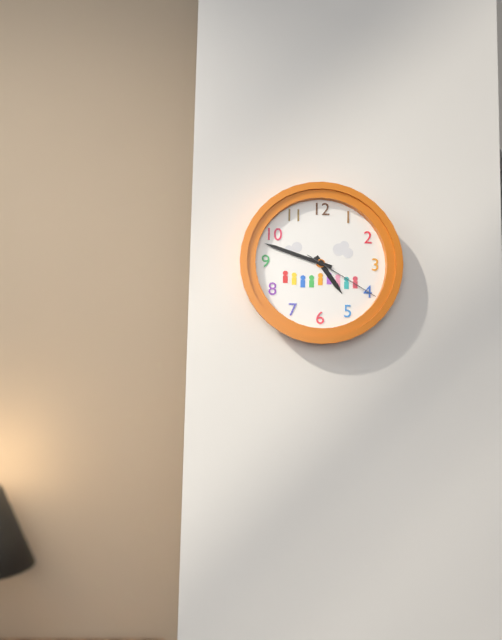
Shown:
4 h 48 min 20 s
